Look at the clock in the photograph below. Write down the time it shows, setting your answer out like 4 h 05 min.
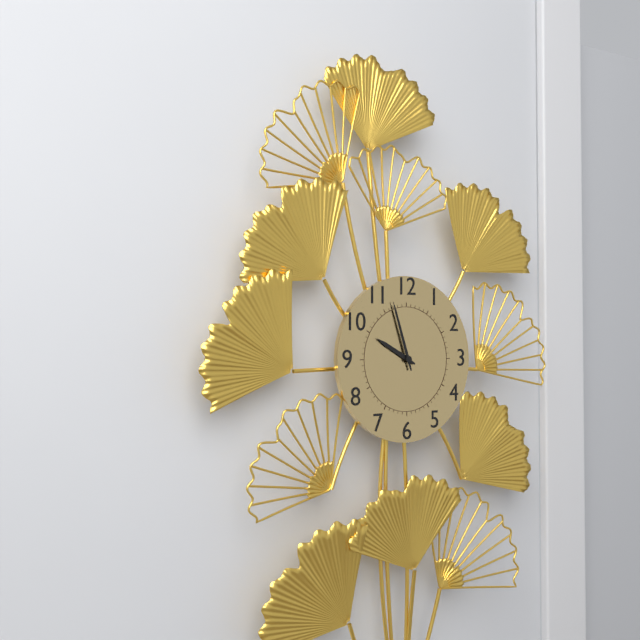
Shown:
9 h 57 min
